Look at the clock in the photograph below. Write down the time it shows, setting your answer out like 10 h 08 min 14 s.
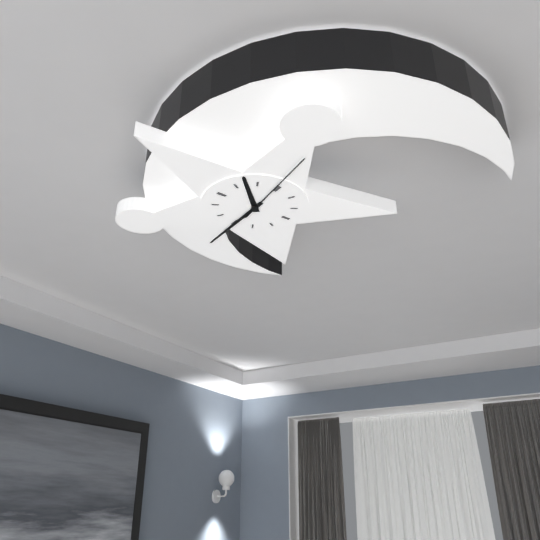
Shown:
10 h 30 min 59 s
